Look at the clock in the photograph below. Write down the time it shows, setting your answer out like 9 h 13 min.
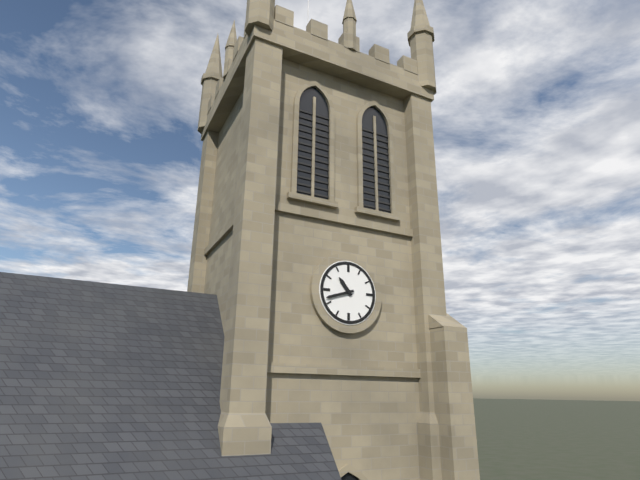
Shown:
10 h 42 min
